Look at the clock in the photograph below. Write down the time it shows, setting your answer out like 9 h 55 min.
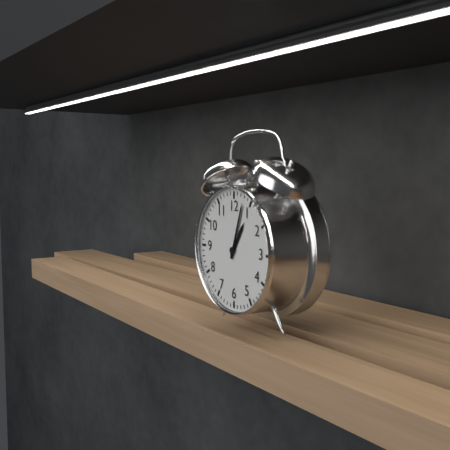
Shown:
1 h 03 min
